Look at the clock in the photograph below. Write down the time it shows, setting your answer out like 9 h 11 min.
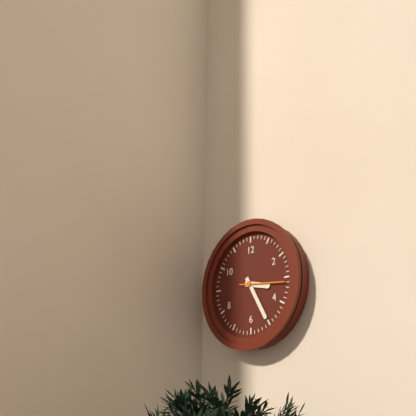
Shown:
3 h 25 min
